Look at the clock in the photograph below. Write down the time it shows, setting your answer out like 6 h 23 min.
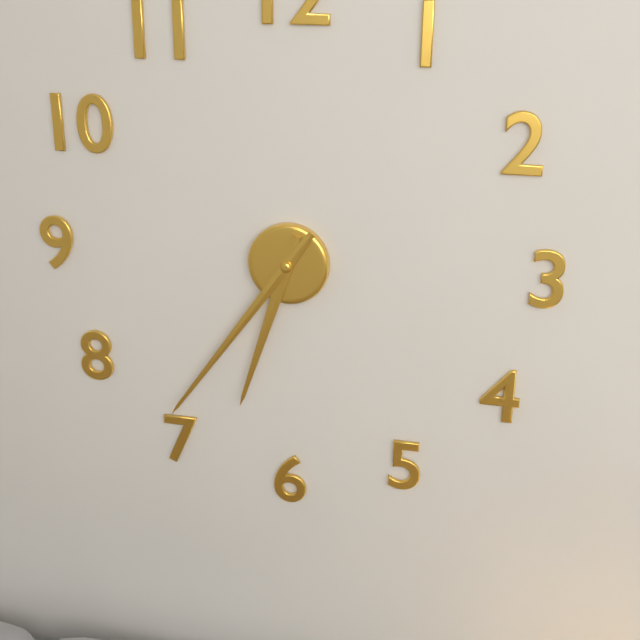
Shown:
6 h 36 min
